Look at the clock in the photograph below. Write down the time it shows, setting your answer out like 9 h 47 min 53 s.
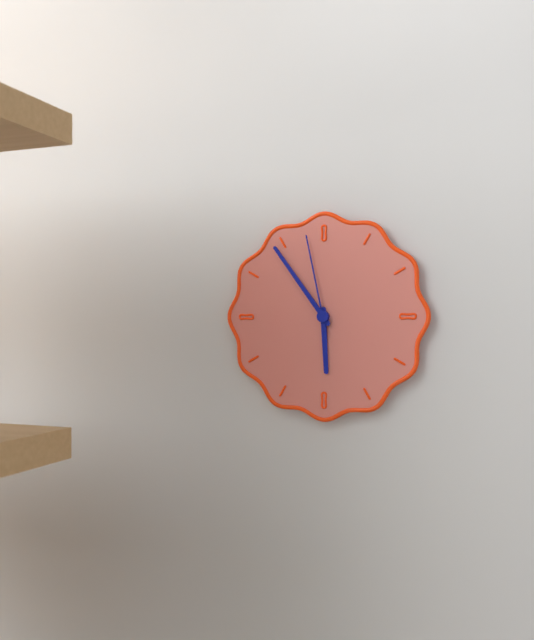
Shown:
5 h 54 min 58 s
